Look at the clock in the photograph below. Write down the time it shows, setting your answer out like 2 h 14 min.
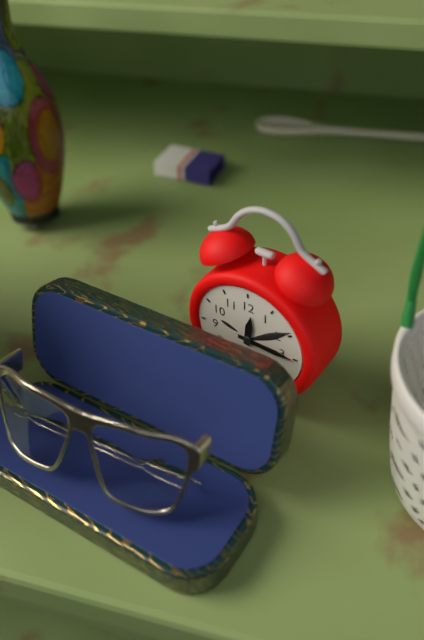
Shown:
12 h 15 min
